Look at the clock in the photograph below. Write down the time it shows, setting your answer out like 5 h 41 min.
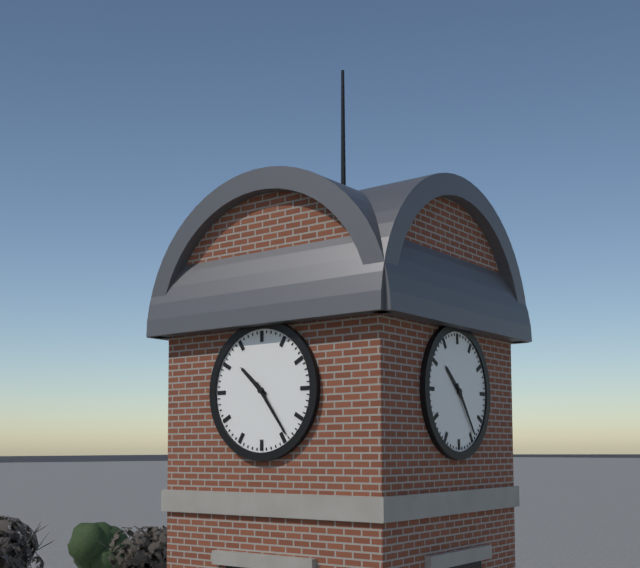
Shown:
10 h 24 min
